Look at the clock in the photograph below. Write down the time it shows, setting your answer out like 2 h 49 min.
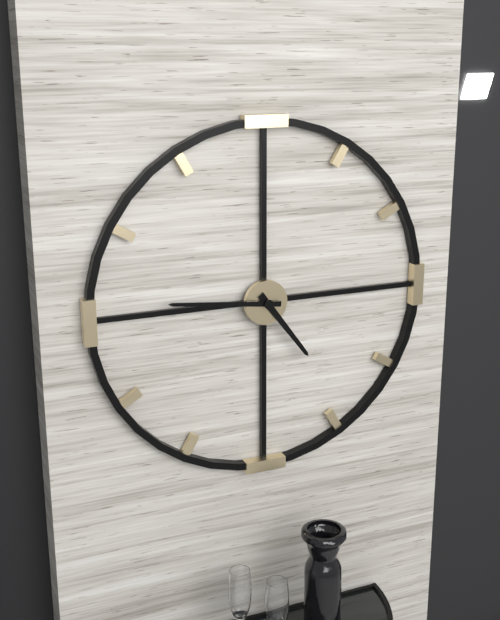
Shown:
4 h 46 min
